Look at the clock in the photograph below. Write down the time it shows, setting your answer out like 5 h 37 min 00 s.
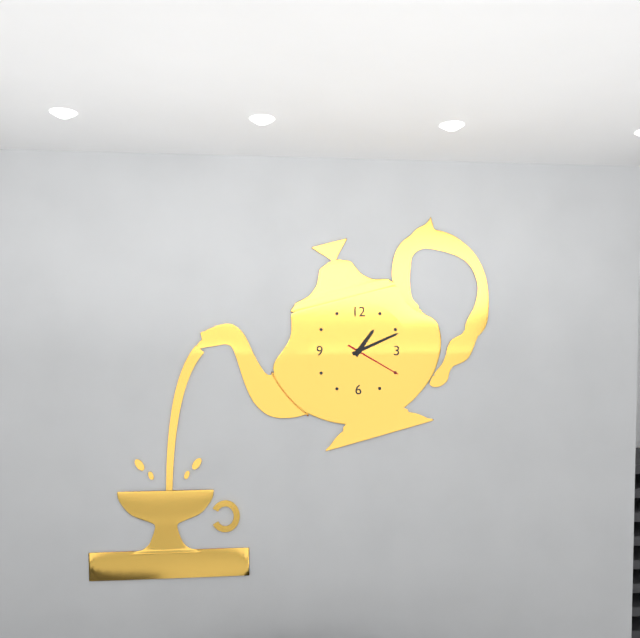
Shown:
1 h 11 min 20 s
